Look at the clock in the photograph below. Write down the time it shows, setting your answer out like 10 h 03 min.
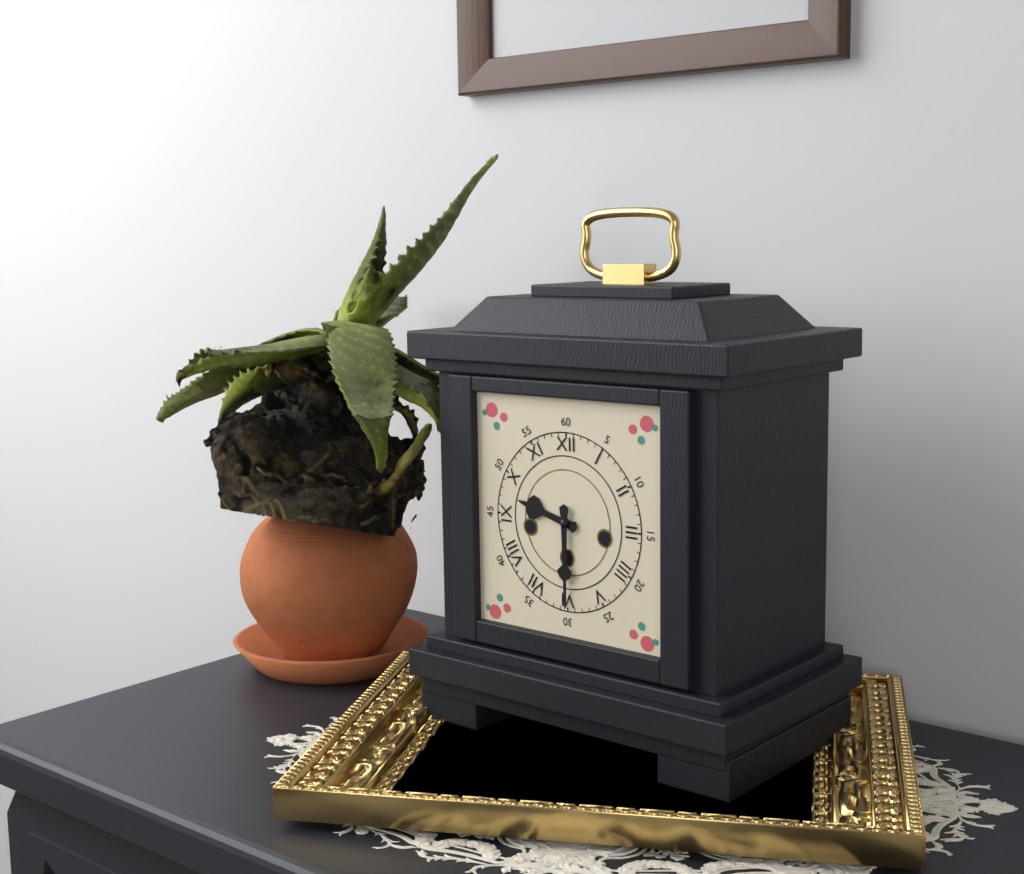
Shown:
9 h 30 min
